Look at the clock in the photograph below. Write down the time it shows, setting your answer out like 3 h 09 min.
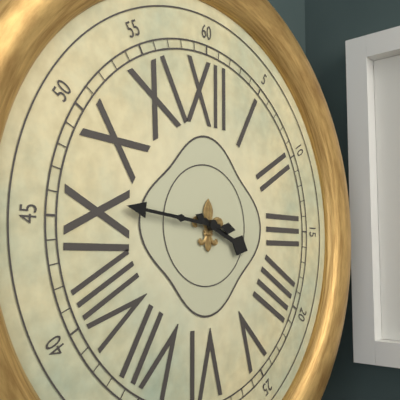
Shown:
3 h 46 min
